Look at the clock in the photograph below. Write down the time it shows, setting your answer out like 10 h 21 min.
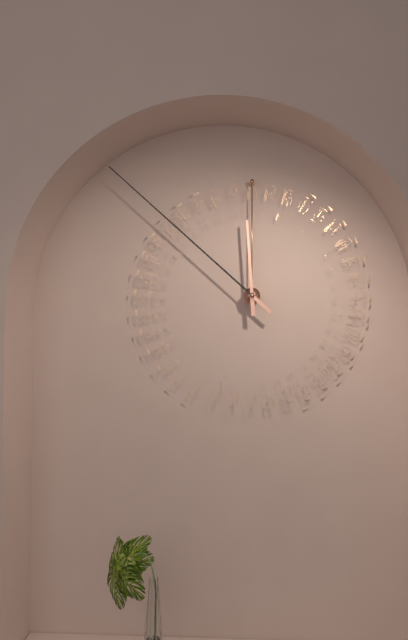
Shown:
11 h 52 min
